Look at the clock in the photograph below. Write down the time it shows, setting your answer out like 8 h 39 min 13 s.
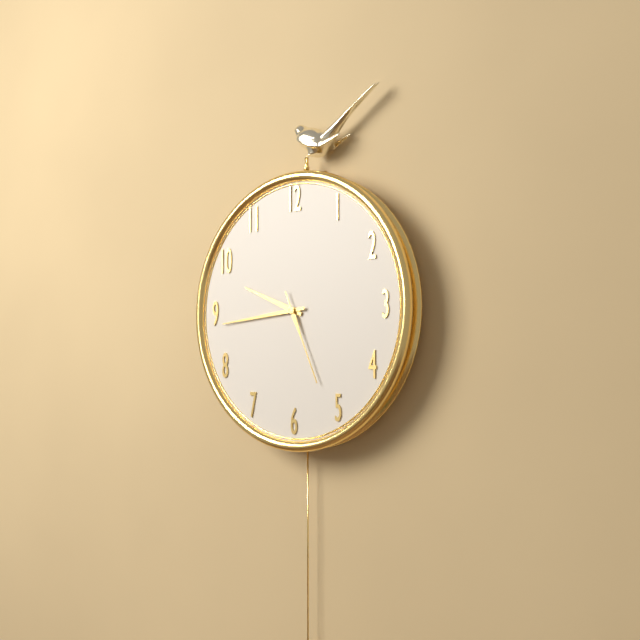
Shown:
9 h 44 min 26 s
